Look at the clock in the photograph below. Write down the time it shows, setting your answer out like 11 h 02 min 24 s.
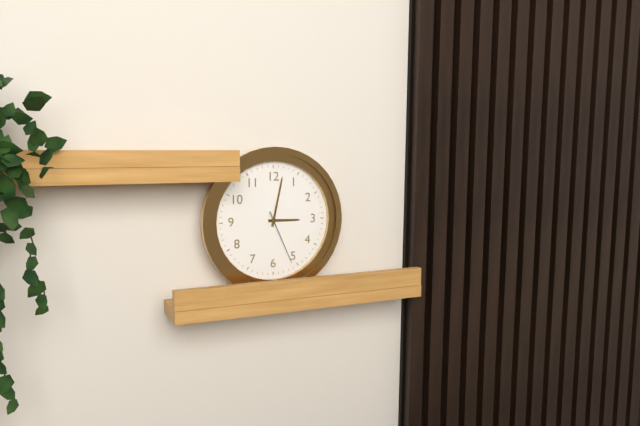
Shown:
3 h 02 min 26 s
